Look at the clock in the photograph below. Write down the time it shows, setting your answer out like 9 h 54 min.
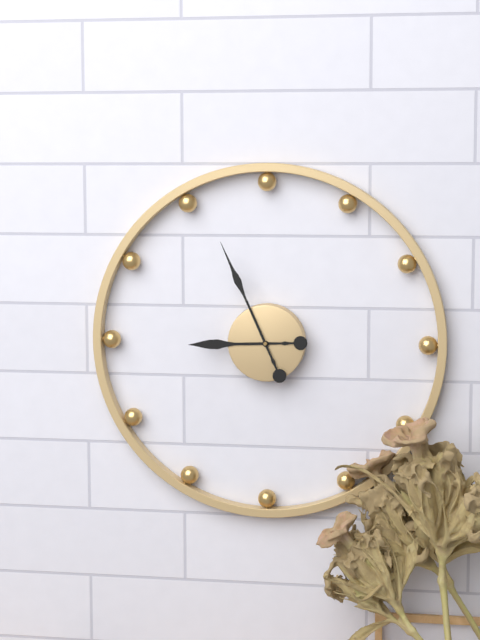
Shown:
8 h 56 min
